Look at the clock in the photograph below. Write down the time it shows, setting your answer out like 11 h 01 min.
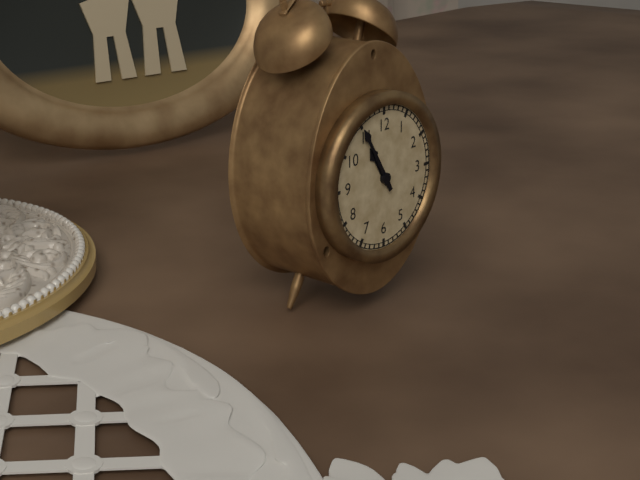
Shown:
10 h 55 min
